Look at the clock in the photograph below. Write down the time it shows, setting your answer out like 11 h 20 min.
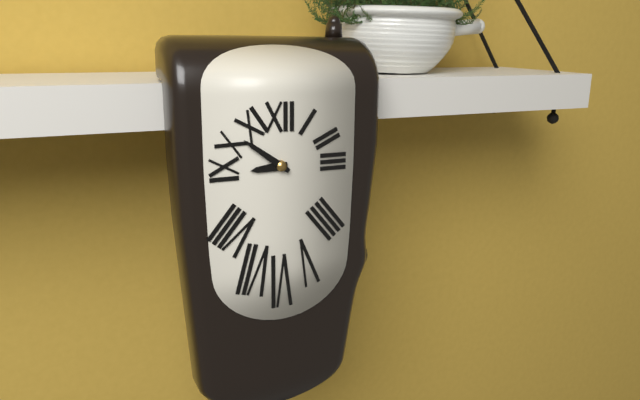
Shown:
8 h 51 min
